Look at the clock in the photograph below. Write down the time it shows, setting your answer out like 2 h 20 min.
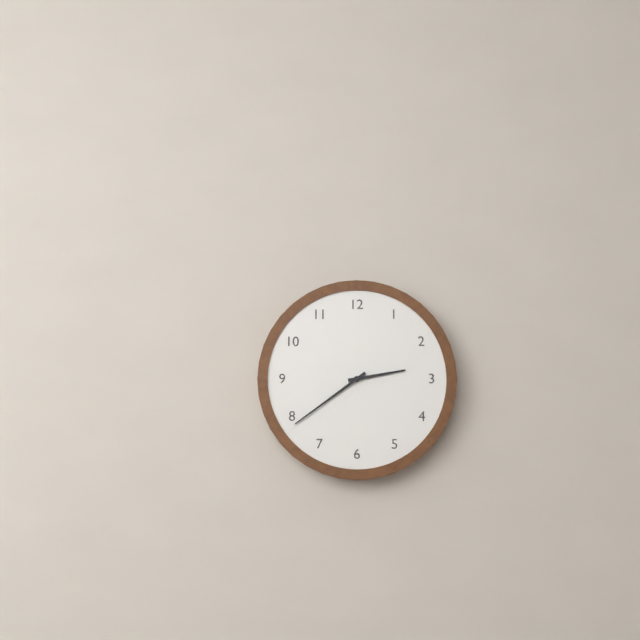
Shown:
2 h 39 min
